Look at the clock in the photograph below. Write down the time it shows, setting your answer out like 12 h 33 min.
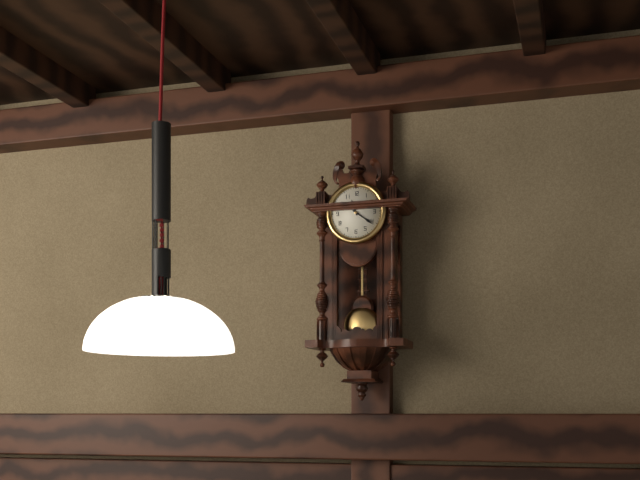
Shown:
11 h 21 min
